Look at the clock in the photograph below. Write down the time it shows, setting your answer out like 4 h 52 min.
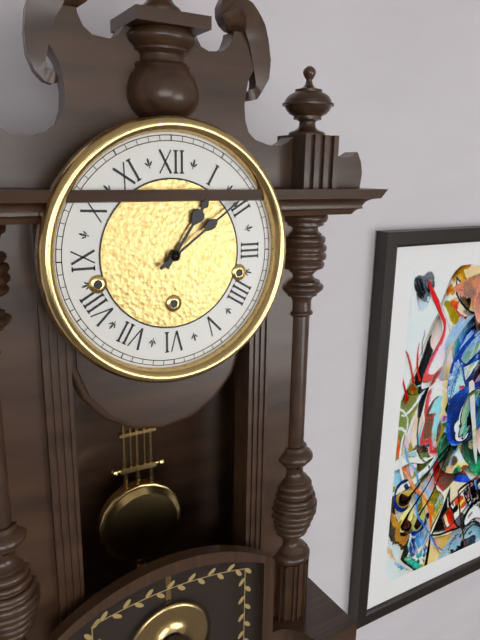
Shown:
1 h 09 min
